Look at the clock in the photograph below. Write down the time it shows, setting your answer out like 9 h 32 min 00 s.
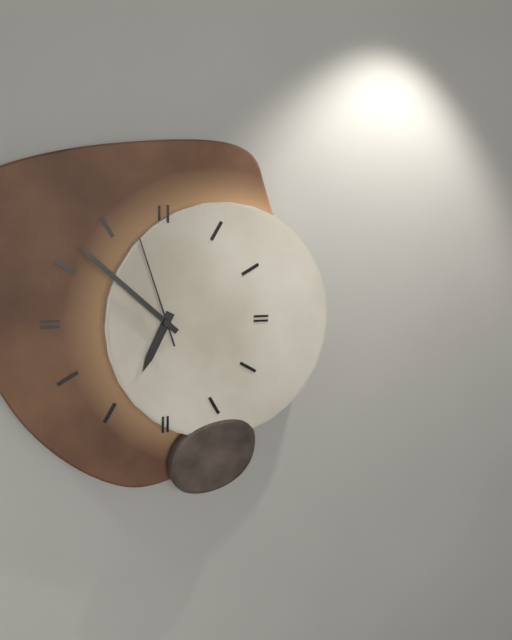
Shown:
6 h 52 min 57 s
